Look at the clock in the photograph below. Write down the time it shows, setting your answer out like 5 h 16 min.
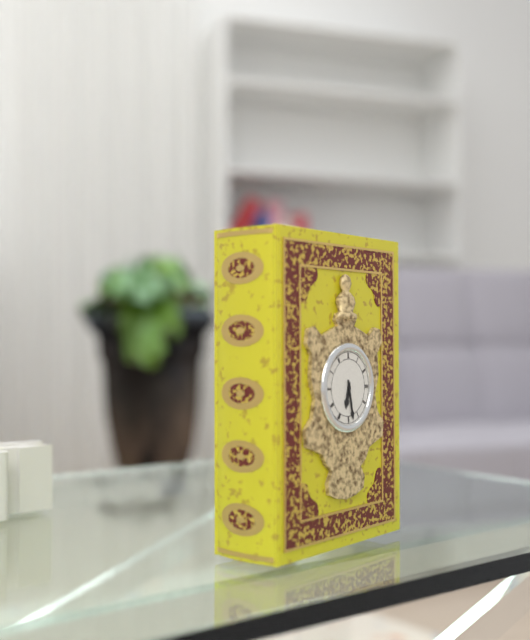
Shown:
6 h 28 min
